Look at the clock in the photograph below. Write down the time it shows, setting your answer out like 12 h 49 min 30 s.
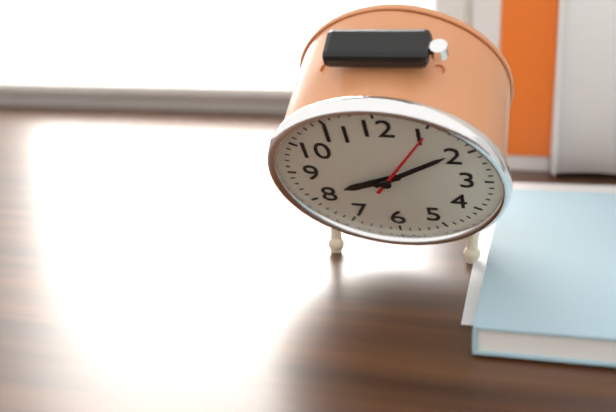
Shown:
8 h 09 min 05 s
